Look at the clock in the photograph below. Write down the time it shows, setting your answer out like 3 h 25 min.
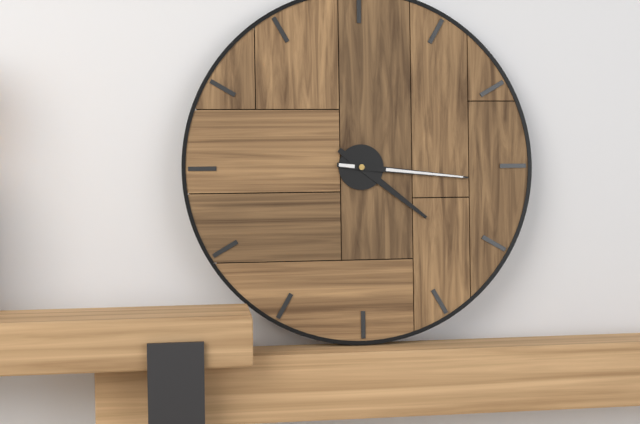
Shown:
4 h 16 min
